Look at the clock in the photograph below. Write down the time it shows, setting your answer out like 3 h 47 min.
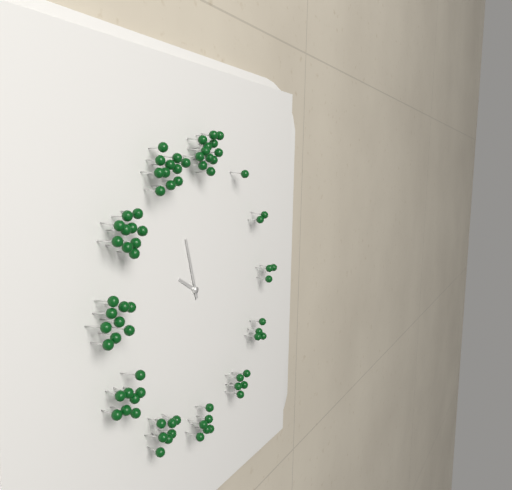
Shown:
9 h 57 min
